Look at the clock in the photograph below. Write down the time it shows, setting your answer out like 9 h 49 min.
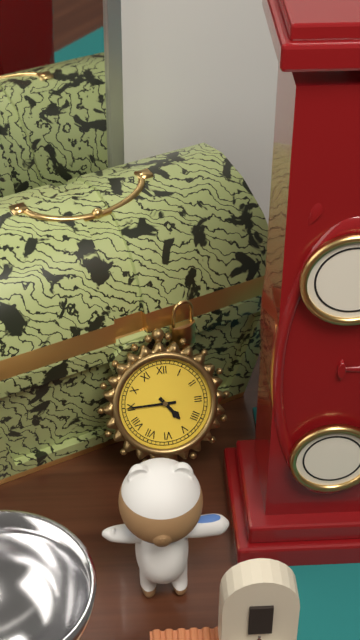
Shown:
4 h 45 min
